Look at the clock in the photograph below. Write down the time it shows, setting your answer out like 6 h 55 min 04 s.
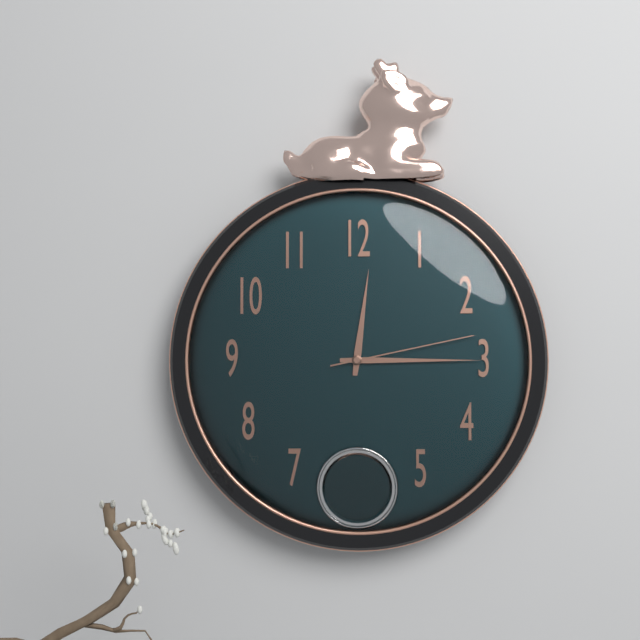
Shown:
12 h 15 min 13 s
